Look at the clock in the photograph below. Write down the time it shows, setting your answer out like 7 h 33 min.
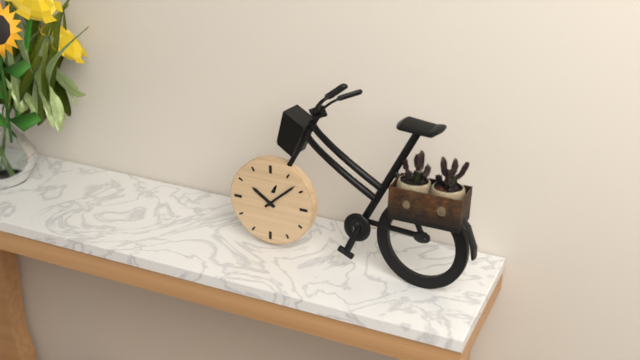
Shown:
10 h 08 min
